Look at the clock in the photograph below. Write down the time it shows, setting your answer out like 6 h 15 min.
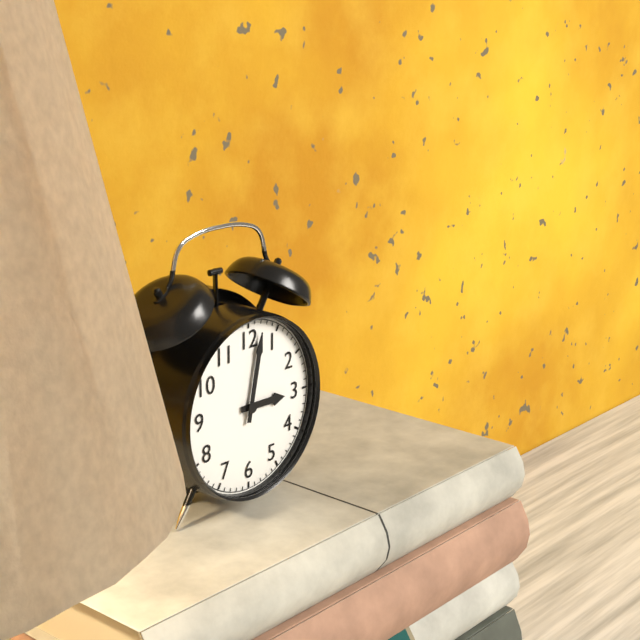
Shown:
3 h 02 min
